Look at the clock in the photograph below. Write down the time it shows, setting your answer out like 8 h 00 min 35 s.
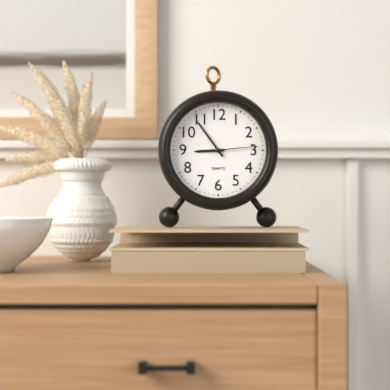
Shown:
8 h 54 min 14 s
